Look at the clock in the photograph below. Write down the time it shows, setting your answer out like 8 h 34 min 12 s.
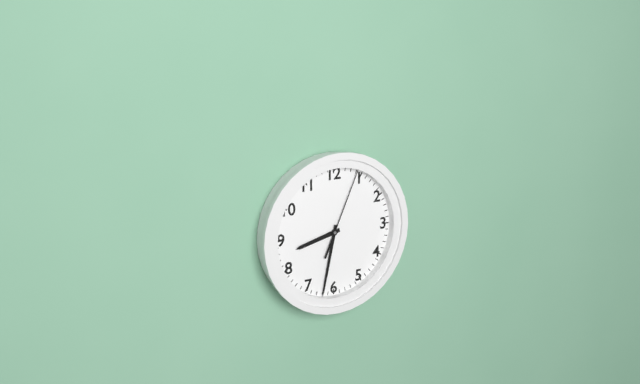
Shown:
8 h 32 min 04 s
